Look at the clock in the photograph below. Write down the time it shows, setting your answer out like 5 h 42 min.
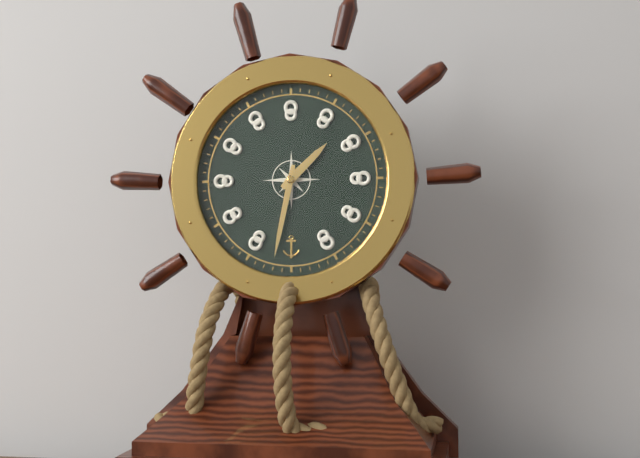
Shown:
1 h 32 min
